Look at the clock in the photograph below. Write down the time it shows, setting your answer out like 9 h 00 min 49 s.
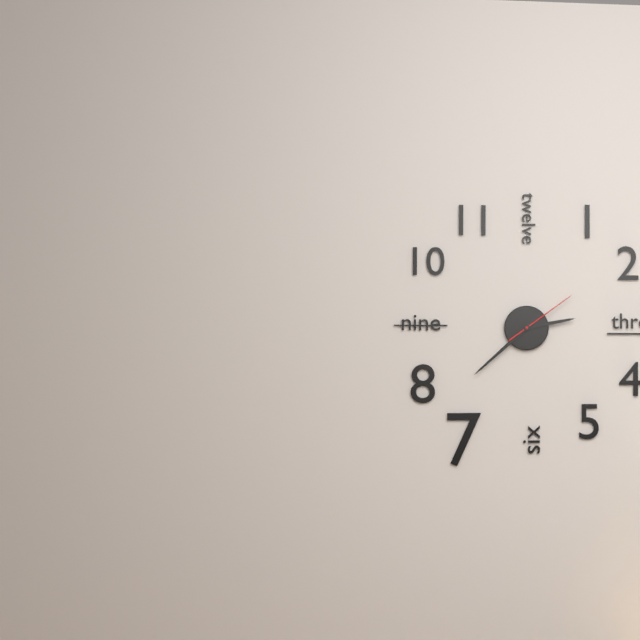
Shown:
2 h 38 min 09 s
